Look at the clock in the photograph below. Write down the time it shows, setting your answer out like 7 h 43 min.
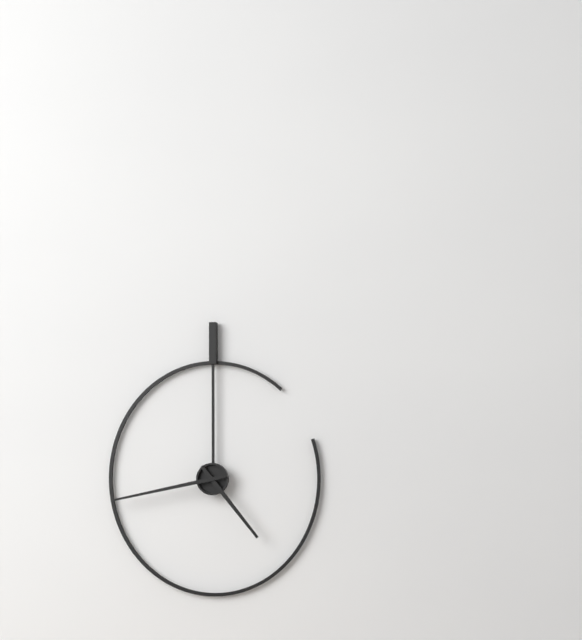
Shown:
4 h 43 min
